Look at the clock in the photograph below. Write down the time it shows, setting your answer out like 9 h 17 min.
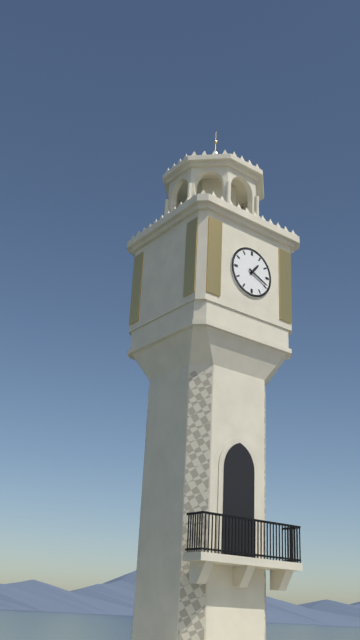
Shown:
1 h 19 min
